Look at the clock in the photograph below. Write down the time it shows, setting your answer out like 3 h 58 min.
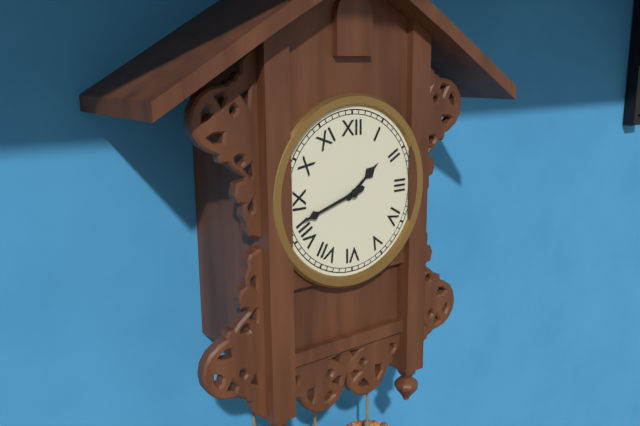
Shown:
1 h 42 min
